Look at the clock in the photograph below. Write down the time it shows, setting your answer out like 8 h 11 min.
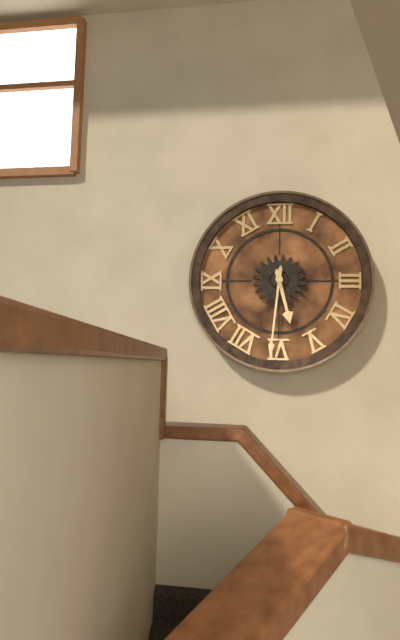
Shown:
5 h 31 min
